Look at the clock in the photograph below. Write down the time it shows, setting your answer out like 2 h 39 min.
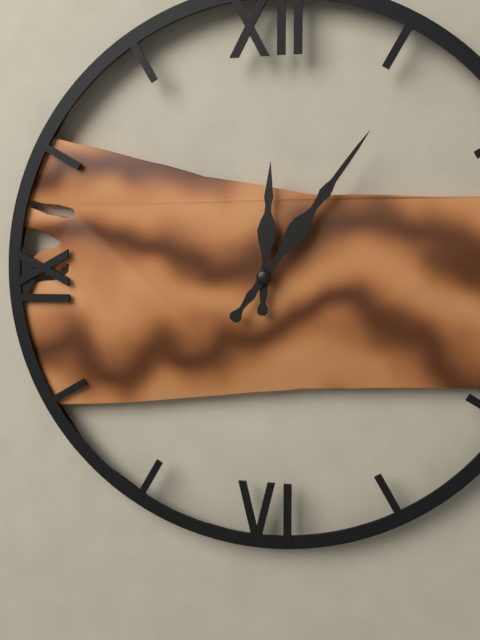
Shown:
12 h 06 min
